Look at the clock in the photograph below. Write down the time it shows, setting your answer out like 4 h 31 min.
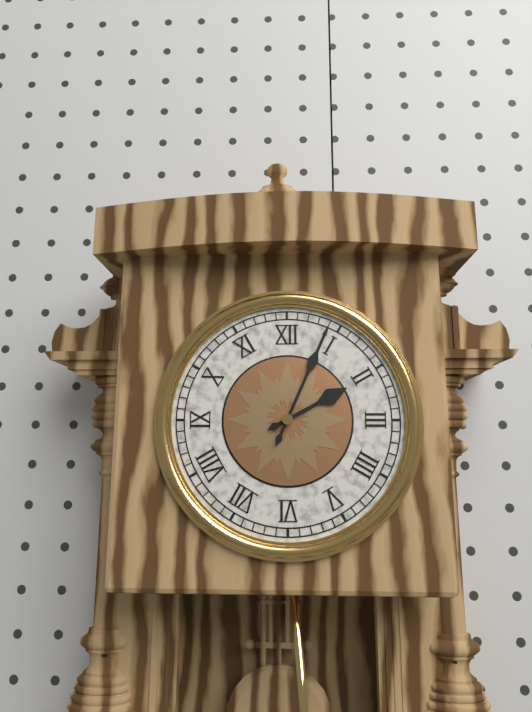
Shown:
2 h 04 min
